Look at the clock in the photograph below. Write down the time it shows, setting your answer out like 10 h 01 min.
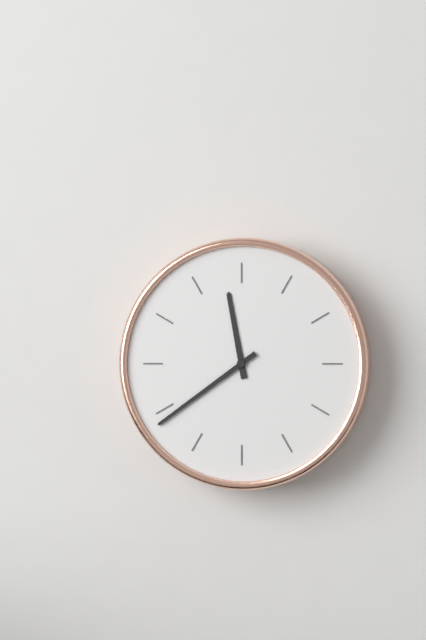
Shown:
11 h 39 min
